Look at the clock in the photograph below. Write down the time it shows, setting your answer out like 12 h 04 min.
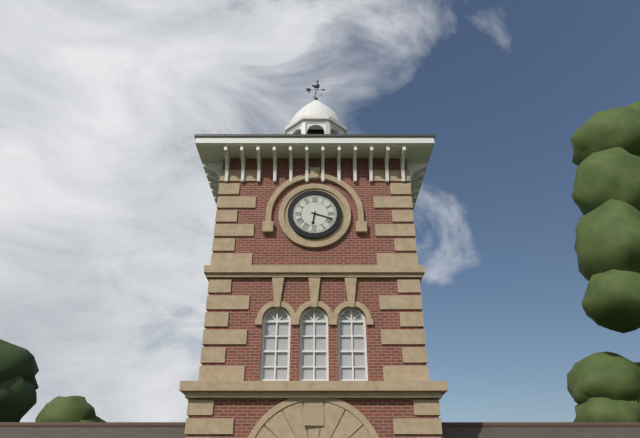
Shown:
6 h 18 min
